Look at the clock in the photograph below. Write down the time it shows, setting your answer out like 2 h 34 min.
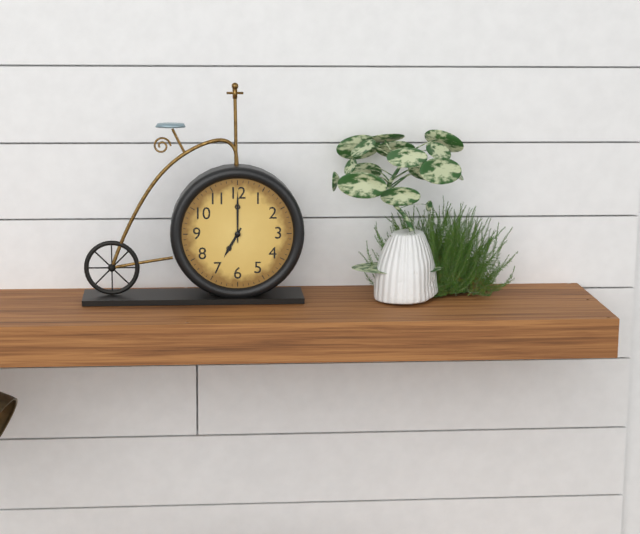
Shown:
7 h 00 min
